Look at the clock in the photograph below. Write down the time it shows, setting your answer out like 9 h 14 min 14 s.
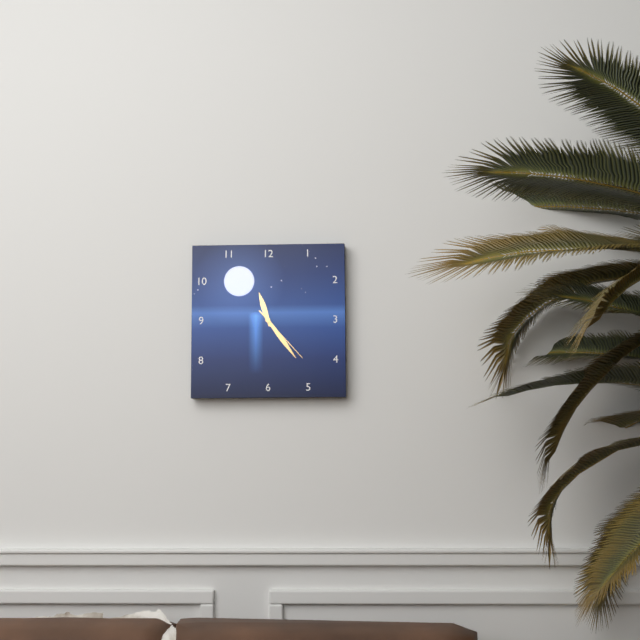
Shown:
11 h 24 min 23 s
